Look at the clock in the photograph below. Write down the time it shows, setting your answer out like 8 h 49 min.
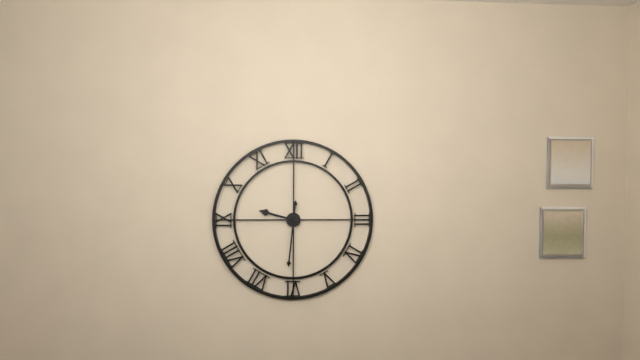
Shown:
9 h 31 min
